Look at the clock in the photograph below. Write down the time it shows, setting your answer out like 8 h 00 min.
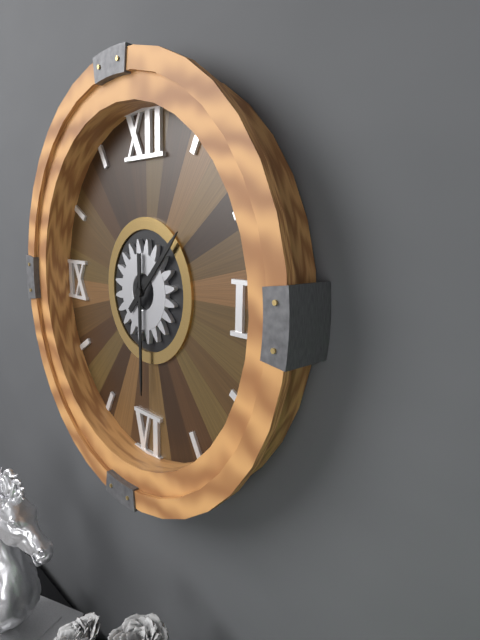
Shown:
1 h 30 min
